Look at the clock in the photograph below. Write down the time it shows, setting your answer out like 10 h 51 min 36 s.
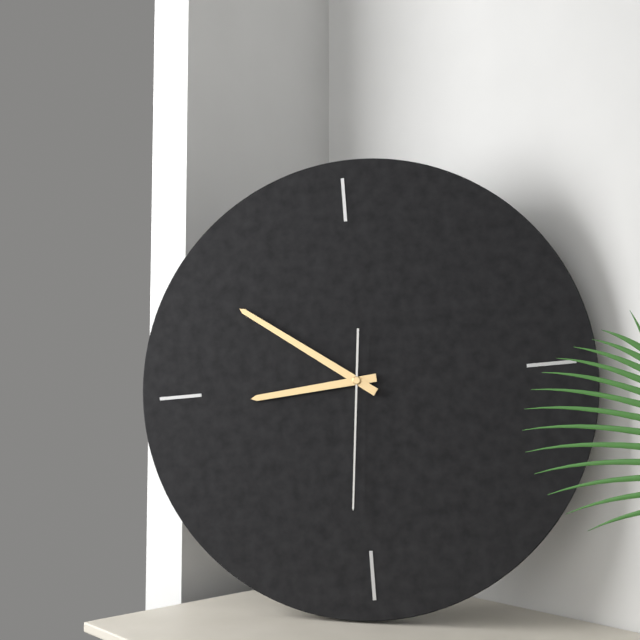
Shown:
8 h 51 min 31 s
